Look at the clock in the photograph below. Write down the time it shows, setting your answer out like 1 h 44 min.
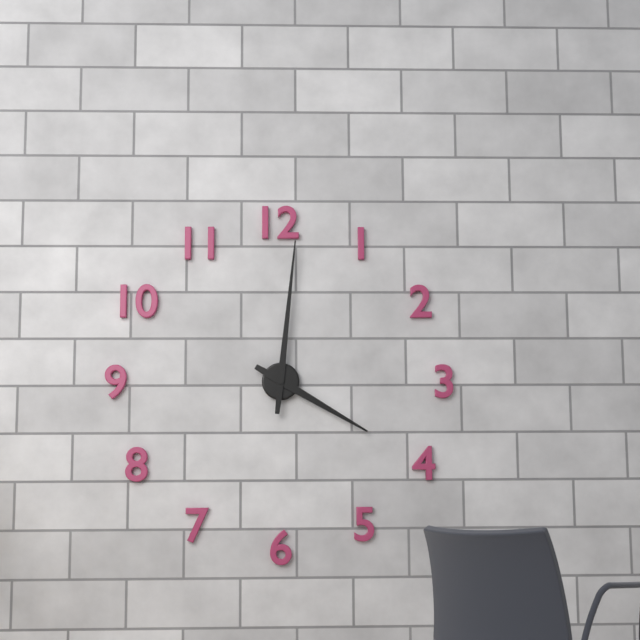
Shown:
4 h 01 min
